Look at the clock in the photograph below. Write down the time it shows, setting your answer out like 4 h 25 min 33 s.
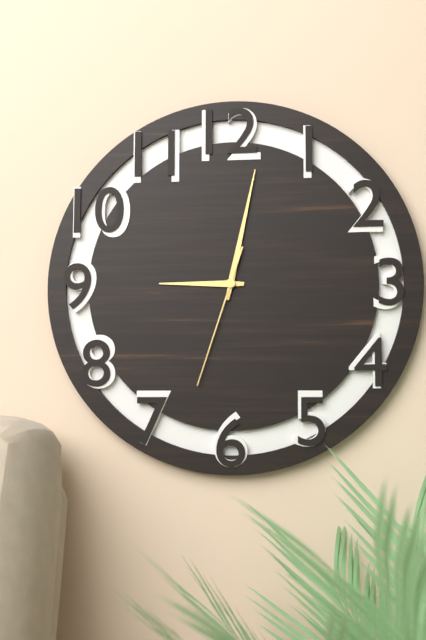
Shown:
9 h 02 min 33 s
